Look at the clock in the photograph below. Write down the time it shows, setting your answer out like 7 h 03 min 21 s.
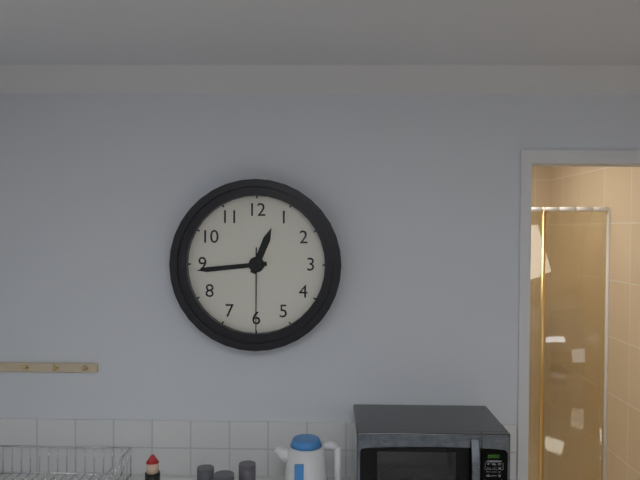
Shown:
12 h 44 min 30 s
